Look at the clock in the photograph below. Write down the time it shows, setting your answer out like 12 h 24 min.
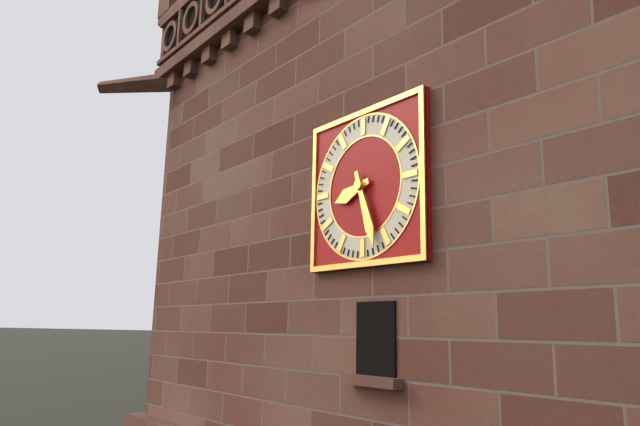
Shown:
8 h 27 min
